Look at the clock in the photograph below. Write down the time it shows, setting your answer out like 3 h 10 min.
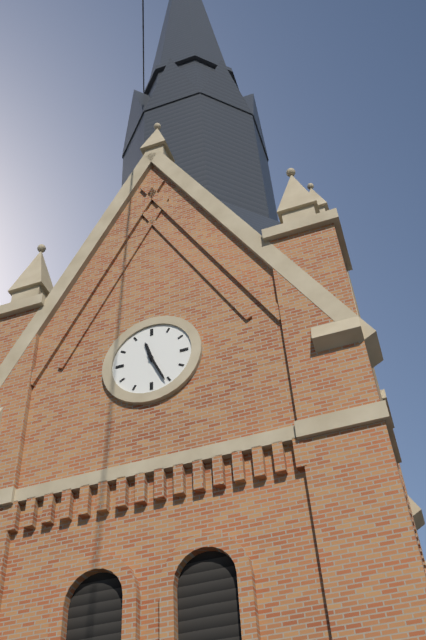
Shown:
11 h 26 min
